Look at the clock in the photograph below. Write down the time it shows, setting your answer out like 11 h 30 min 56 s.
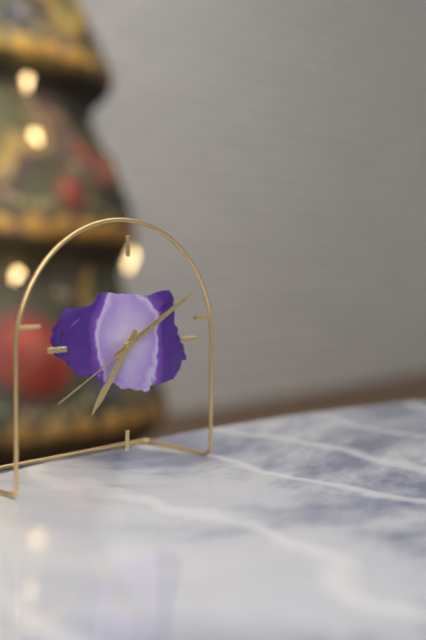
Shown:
7 h 10 min 40 s
